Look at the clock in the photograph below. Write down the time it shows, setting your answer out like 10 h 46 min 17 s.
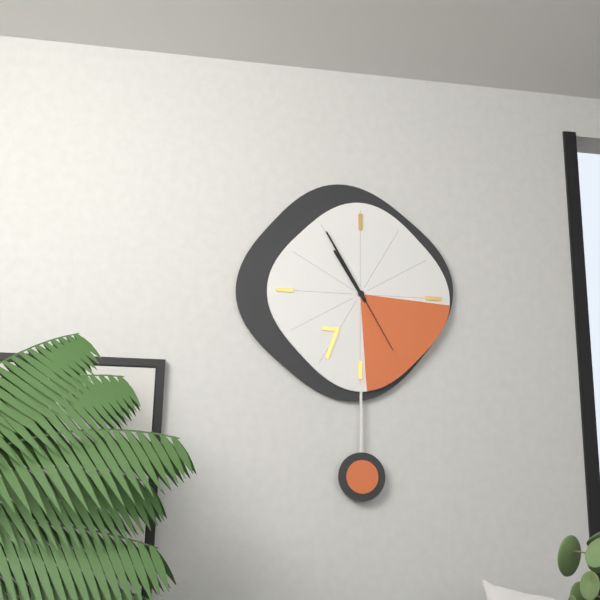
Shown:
10 h 55 min 25 s
